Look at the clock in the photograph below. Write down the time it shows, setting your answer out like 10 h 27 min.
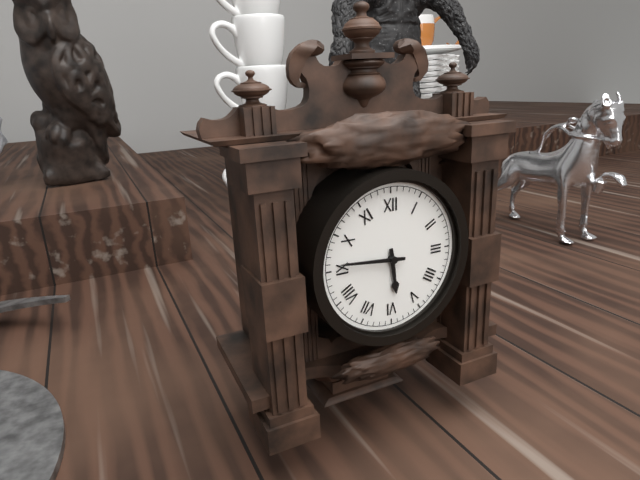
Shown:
5 h 46 min
